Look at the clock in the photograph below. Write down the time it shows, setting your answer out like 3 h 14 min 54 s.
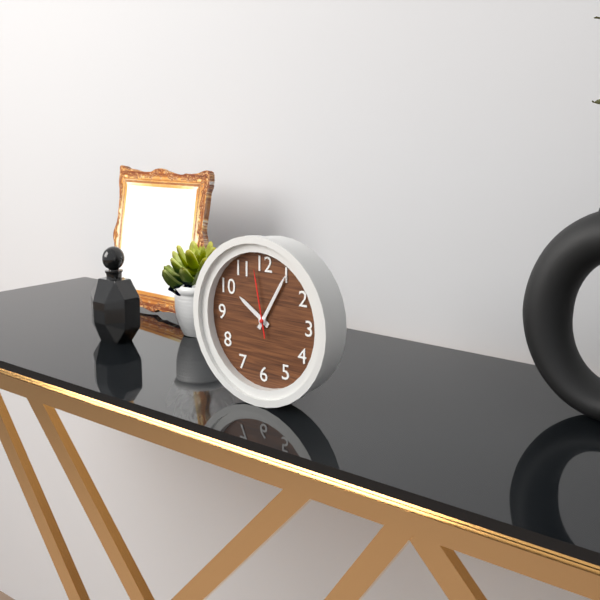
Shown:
10 h 05 min 58 s
